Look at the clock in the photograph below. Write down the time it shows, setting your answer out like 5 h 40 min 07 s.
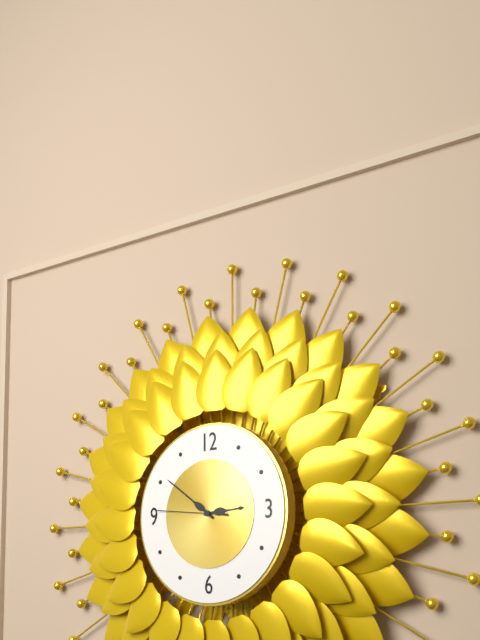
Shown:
2 h 51 min 46 s
